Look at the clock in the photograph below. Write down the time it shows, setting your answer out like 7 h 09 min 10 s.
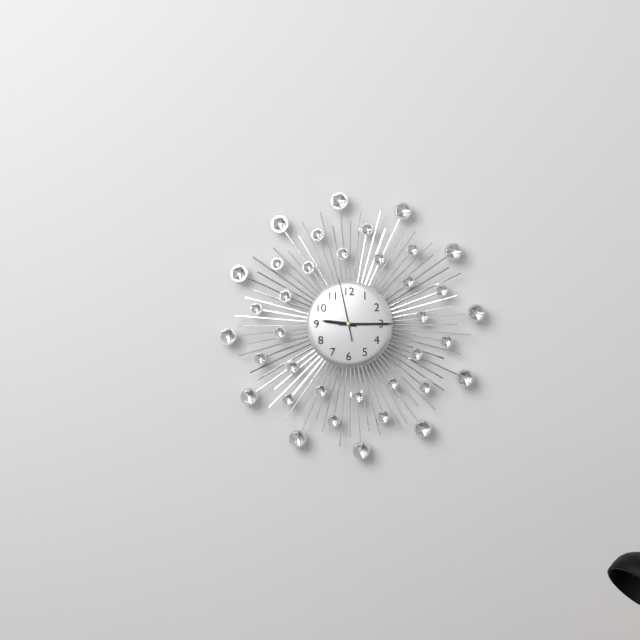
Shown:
9 h 15 min 58 s
